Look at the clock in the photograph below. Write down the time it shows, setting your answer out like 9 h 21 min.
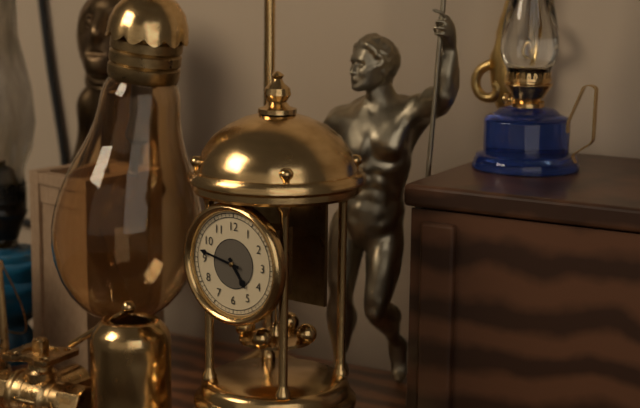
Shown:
4 h 47 min
